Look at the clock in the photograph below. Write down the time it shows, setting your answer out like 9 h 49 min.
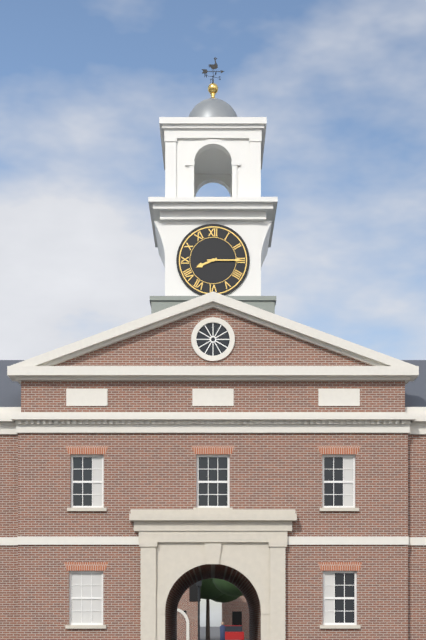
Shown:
8 h 15 min
